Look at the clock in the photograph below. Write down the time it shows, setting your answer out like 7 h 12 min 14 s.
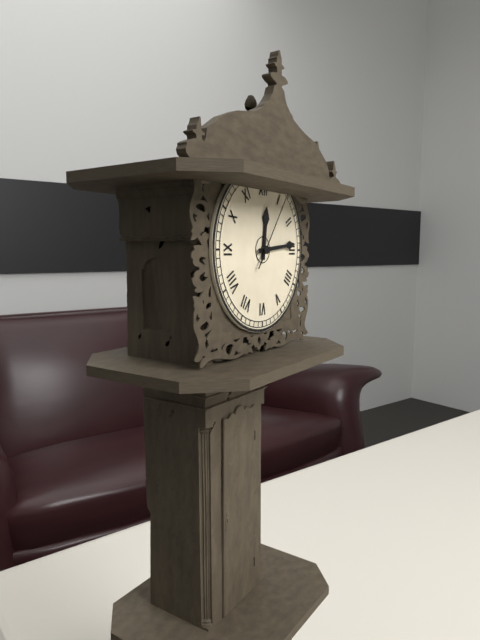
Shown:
12 h 14 min 06 s
